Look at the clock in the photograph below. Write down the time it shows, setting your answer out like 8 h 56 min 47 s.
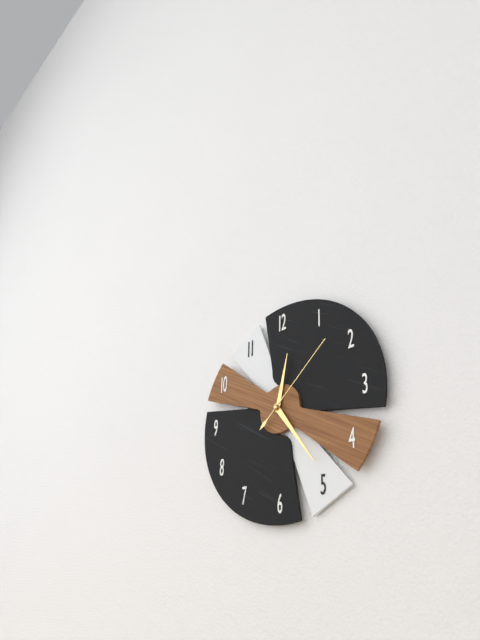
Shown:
12 h 24 min 08 s
